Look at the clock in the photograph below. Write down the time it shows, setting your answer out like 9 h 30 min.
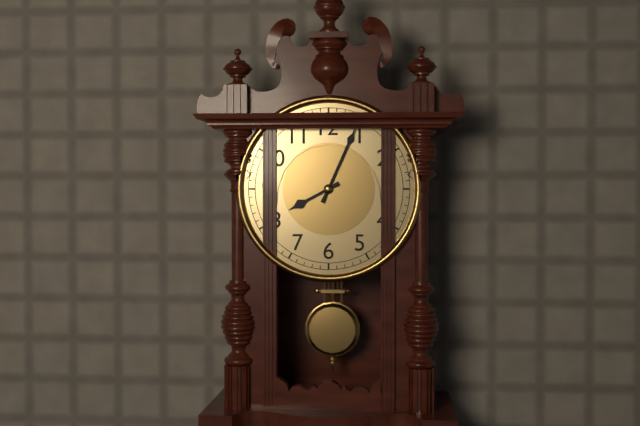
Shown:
8 h 04 min
